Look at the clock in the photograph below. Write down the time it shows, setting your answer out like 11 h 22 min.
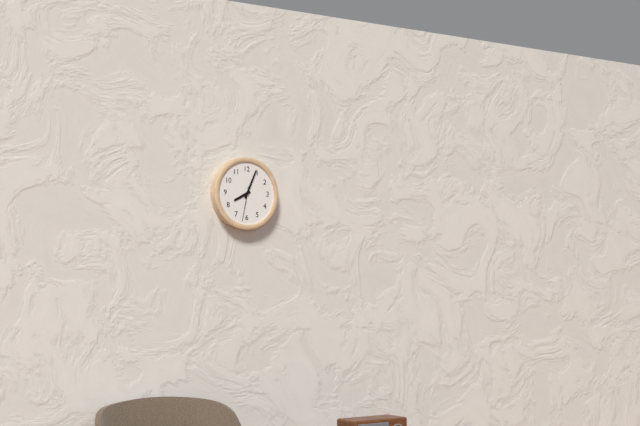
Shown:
8 h 04 min
